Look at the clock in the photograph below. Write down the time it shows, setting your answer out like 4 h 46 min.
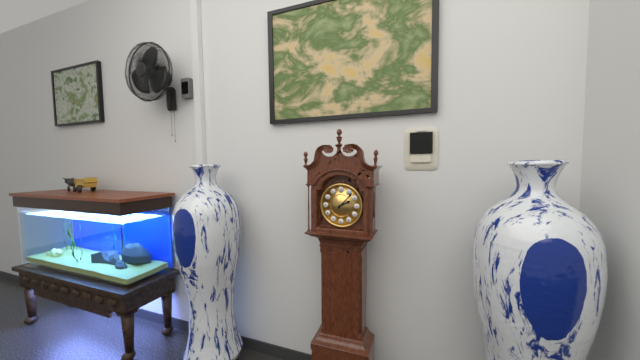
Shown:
2 h 07 min
